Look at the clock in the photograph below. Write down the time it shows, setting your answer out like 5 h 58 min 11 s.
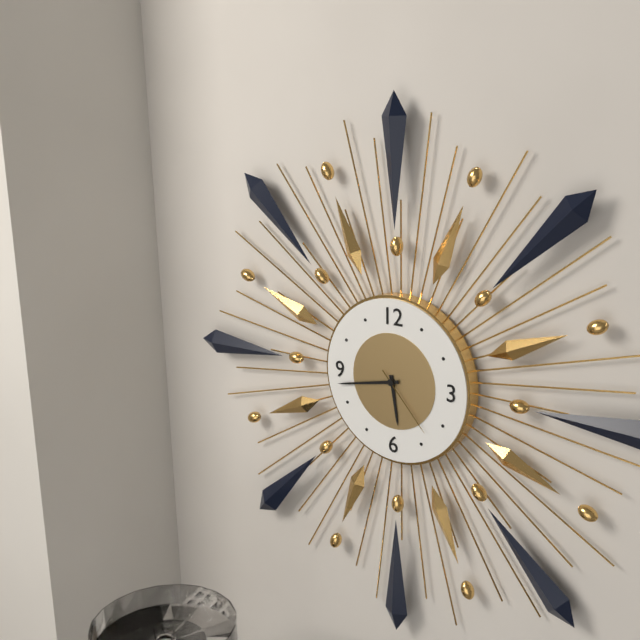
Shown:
5 h 43 min 23 s
